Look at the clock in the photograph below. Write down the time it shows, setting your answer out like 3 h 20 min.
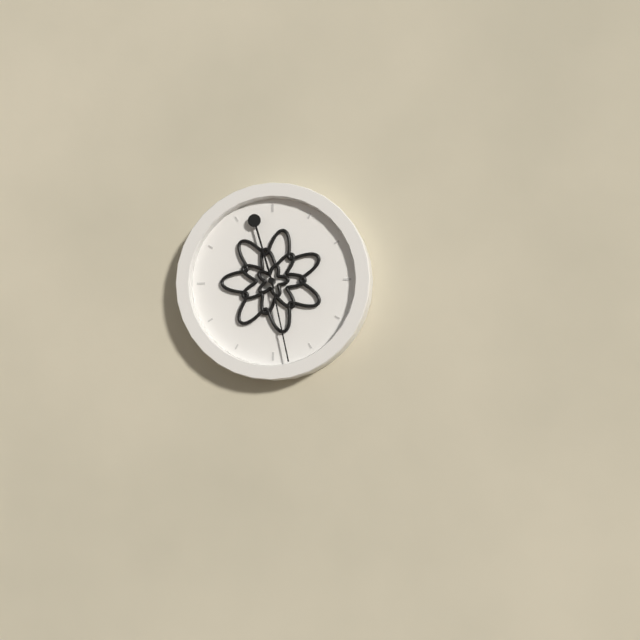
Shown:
11 h 28 min
